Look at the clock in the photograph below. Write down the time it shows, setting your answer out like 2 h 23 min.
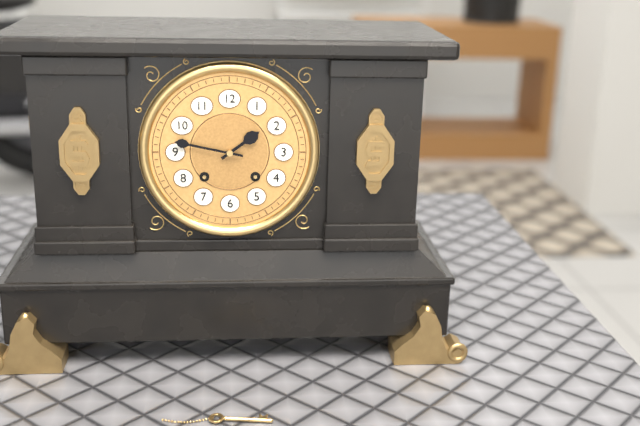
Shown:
1 h 47 min
